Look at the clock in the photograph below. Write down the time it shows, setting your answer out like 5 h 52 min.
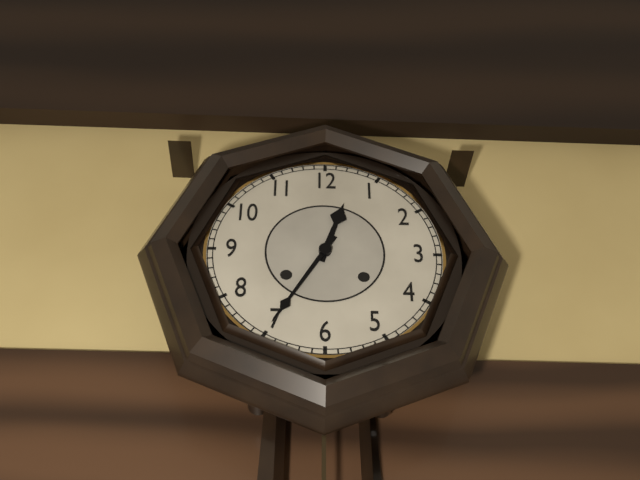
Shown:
12 h 35 min
